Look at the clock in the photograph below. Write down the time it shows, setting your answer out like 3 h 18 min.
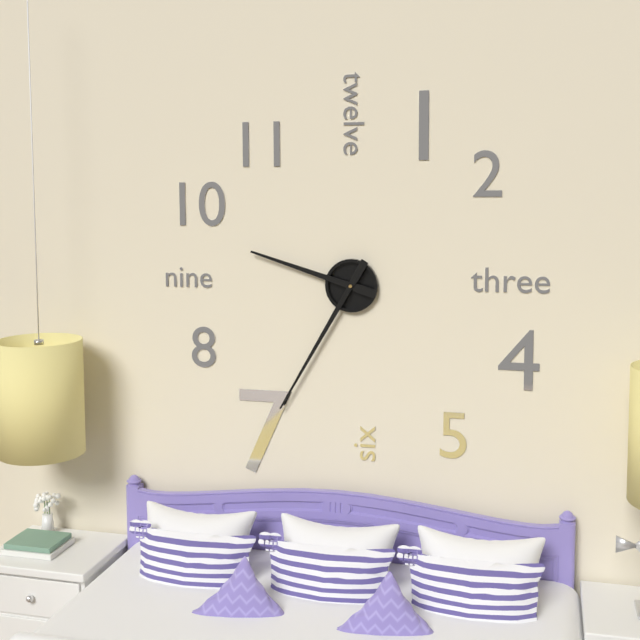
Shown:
9 h 35 min
